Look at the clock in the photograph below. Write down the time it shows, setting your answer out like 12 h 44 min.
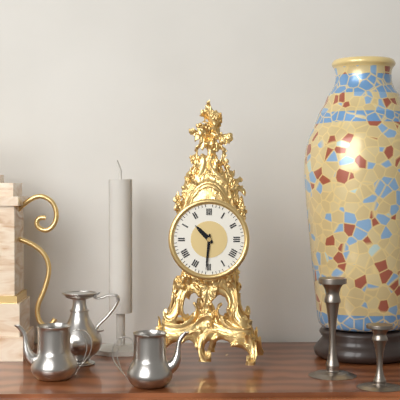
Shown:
10 h 31 min
